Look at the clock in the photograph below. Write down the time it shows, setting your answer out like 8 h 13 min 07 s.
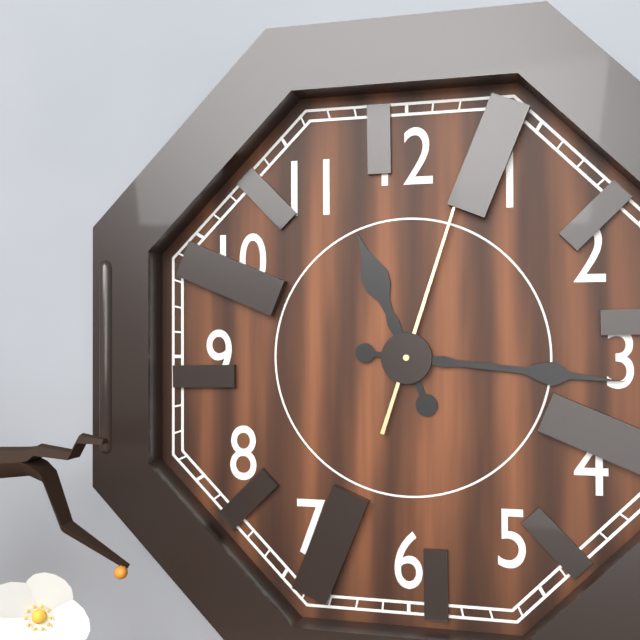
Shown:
11 h 16 min 03 s
